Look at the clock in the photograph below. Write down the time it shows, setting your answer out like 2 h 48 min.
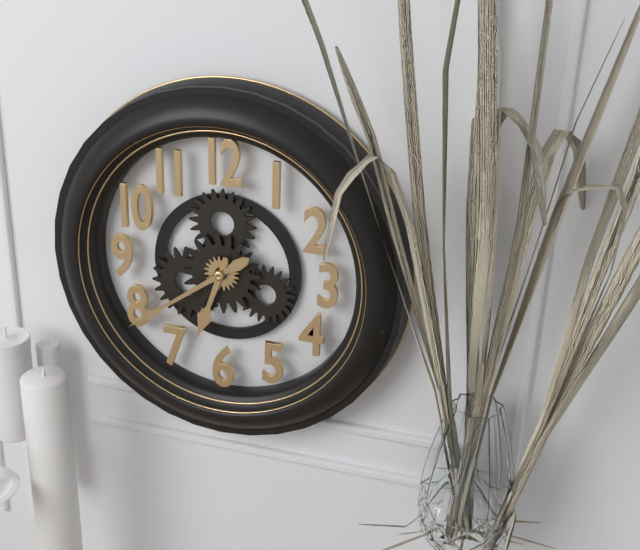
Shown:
6 h 39 min
